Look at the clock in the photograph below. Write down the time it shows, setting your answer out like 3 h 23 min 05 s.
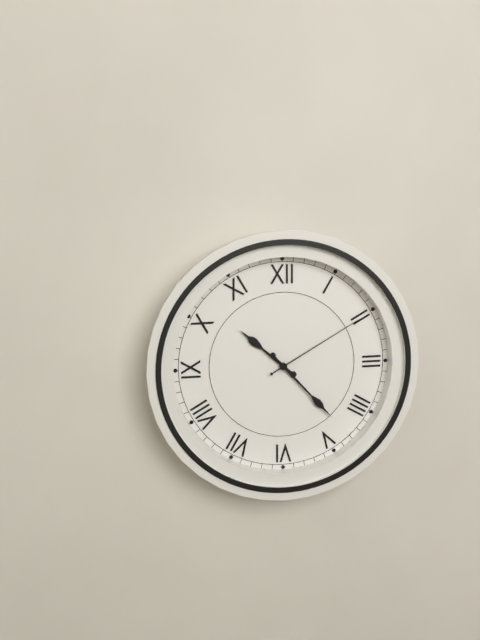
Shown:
10 h 23 min 10 s
